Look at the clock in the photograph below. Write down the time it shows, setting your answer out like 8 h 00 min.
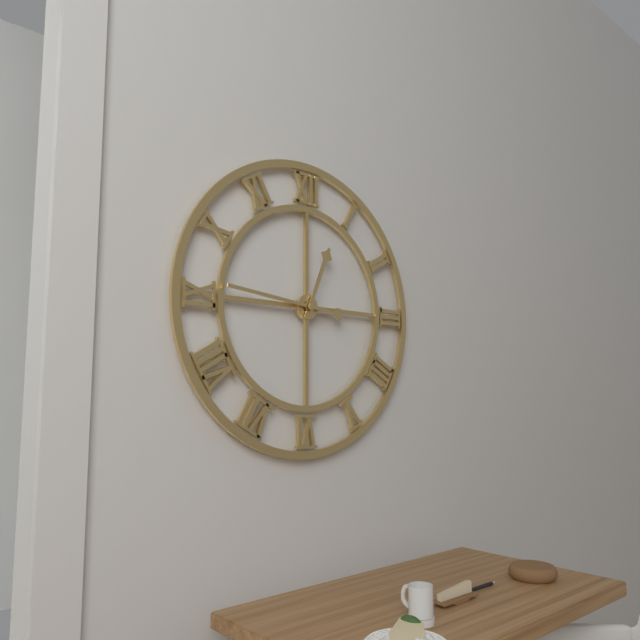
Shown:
12 h 46 min
